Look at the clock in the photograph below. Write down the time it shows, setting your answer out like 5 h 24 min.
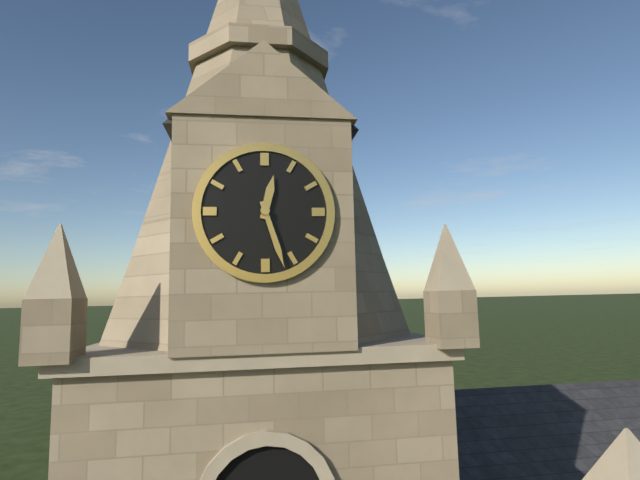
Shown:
12 h 27 min
